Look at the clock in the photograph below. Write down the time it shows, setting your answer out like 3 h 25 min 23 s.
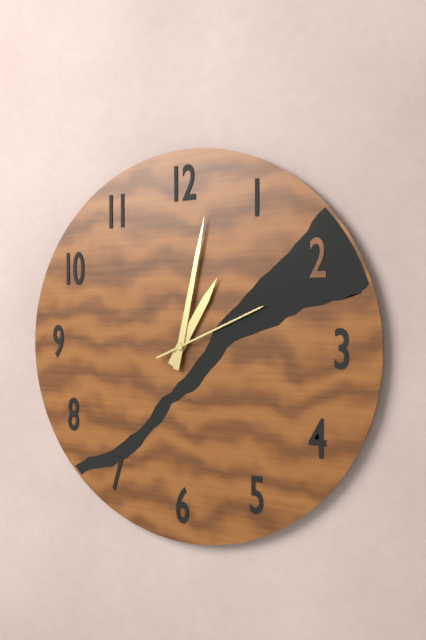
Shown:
1 h 02 min 11 s
